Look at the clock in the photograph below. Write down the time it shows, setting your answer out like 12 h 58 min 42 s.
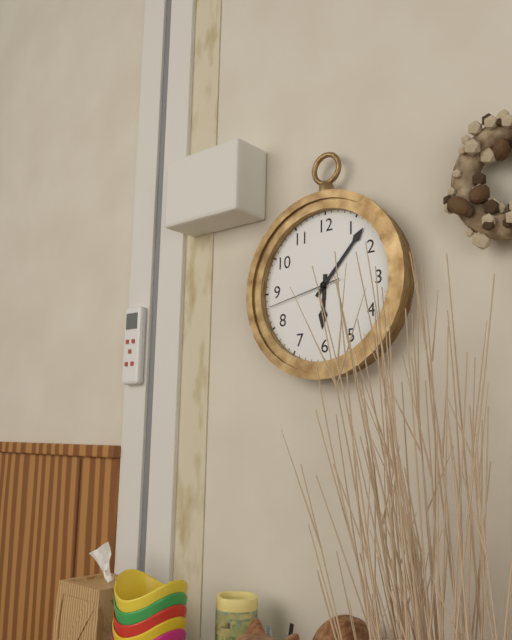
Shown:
6 h 07 min 43 s
